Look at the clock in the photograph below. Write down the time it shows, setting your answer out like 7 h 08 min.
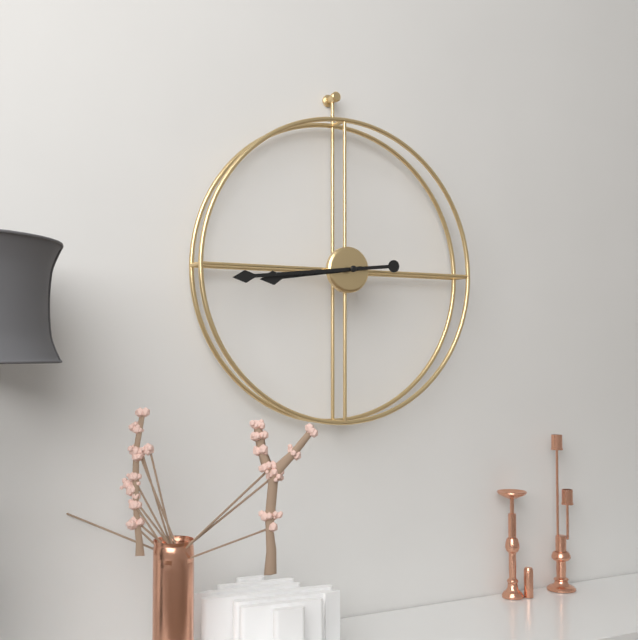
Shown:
8 h 44 min
